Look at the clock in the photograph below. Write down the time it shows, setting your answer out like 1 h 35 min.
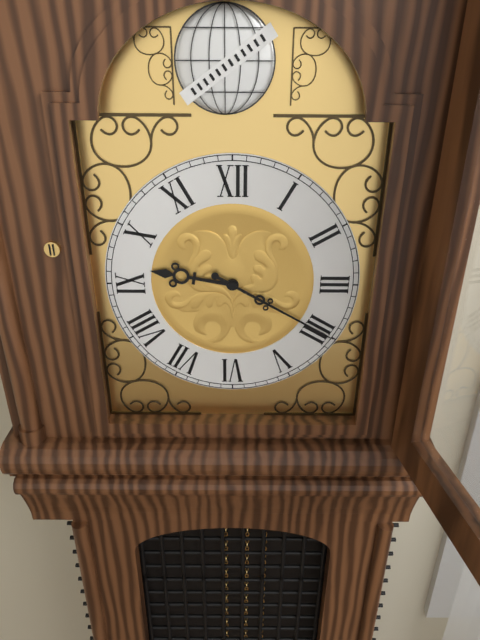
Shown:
9 h 20 min
